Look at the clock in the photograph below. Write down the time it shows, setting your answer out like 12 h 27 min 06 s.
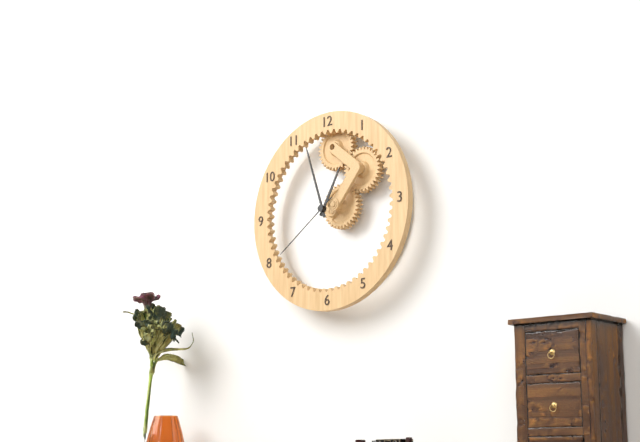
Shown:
12 h 57 min 39 s
